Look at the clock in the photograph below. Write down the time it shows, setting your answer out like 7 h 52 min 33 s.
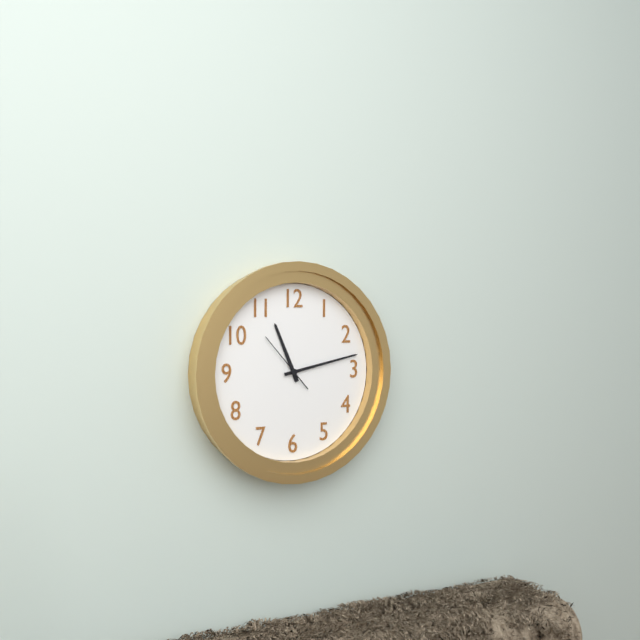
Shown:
11 h 13 min 53 s
